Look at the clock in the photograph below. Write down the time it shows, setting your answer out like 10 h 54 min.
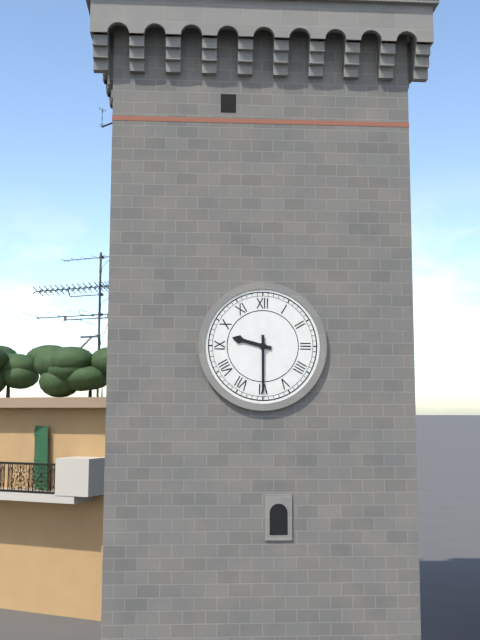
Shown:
9 h 30 min
